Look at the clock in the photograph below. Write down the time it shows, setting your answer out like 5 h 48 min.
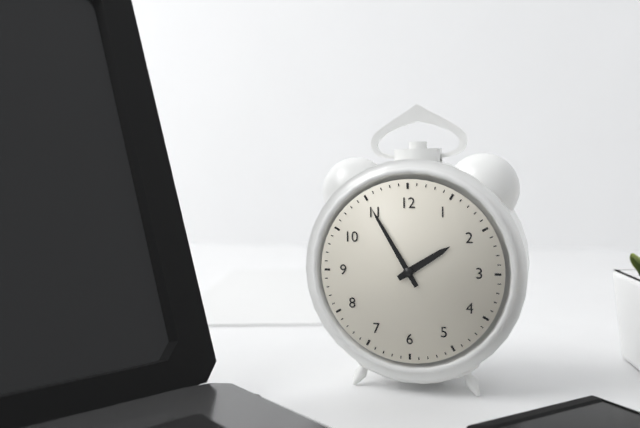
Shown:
1 h 55 min
